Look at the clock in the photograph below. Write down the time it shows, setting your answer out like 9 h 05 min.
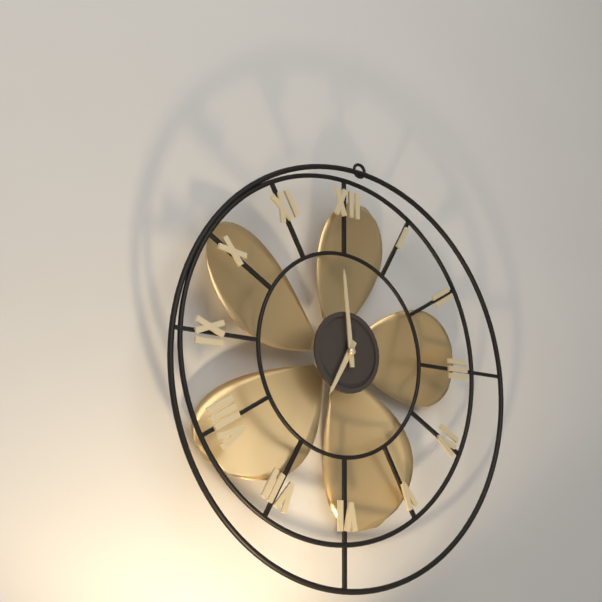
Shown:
6 h 59 min
